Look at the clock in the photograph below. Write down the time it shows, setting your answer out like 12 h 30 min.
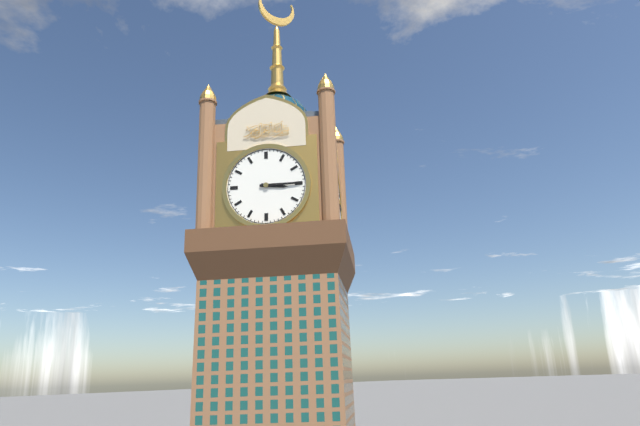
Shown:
3 h 15 min
